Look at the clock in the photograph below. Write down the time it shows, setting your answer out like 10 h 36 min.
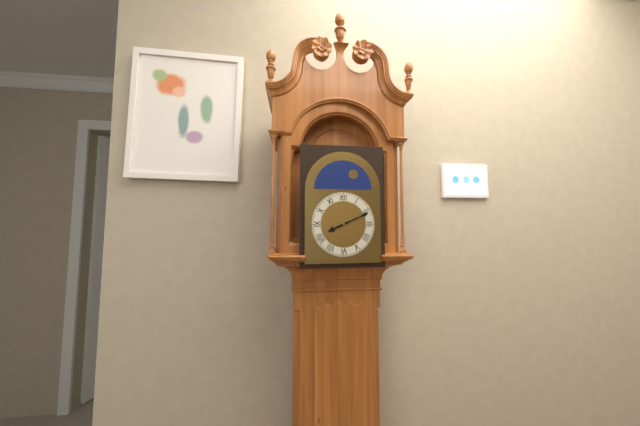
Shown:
8 h 11 min
